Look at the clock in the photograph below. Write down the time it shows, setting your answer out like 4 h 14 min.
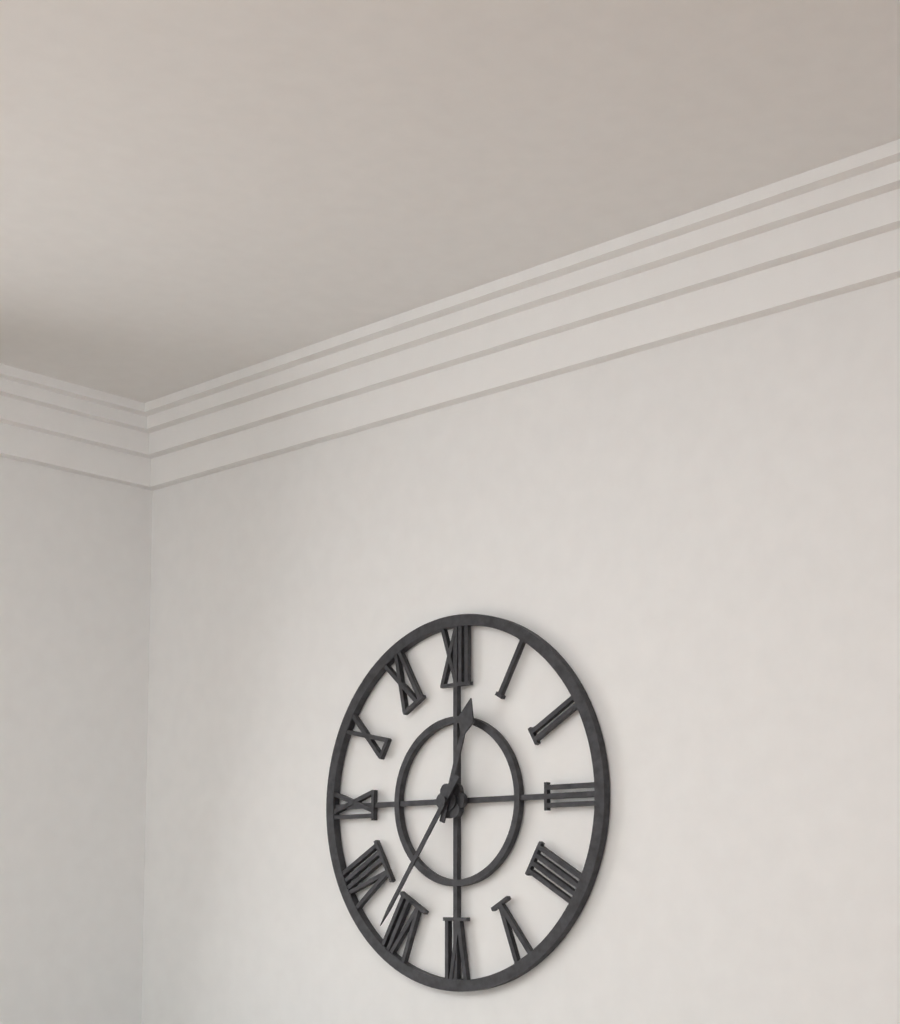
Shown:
12 h 36 min
